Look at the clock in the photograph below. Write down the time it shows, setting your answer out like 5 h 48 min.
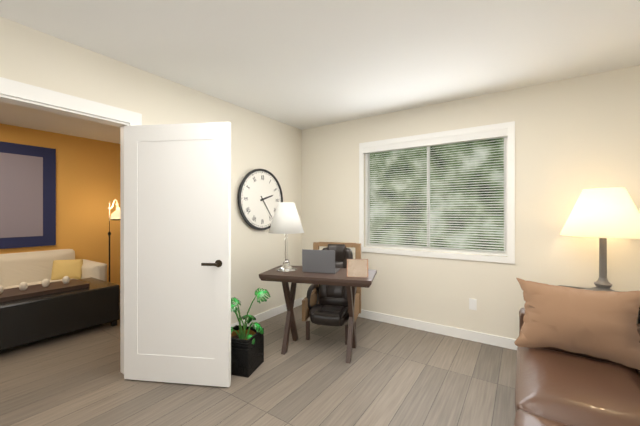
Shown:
2 h 24 min
